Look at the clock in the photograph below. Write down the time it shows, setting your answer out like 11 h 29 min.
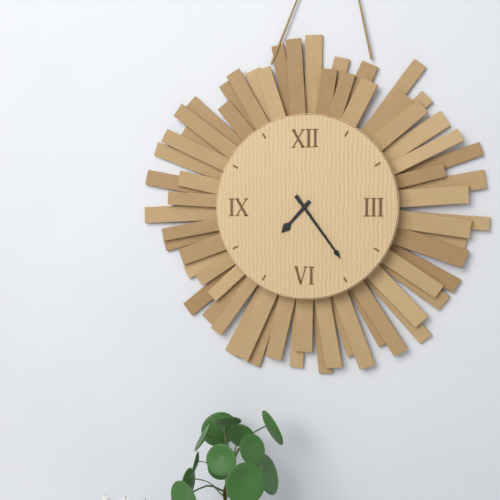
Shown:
7 h 24 min
